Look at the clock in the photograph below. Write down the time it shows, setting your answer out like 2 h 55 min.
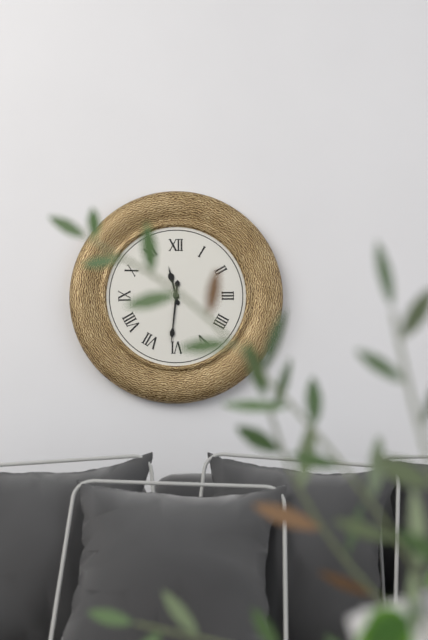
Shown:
11 h 31 min
